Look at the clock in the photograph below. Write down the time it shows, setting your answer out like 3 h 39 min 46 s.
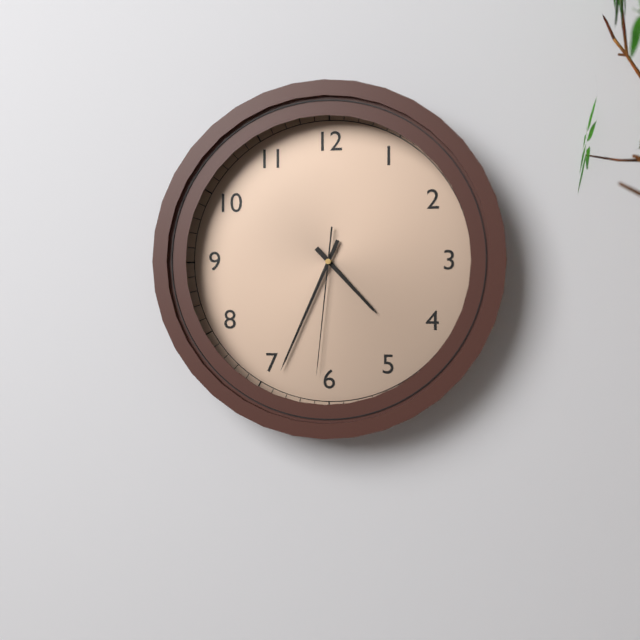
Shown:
4 h 34 min 31 s
